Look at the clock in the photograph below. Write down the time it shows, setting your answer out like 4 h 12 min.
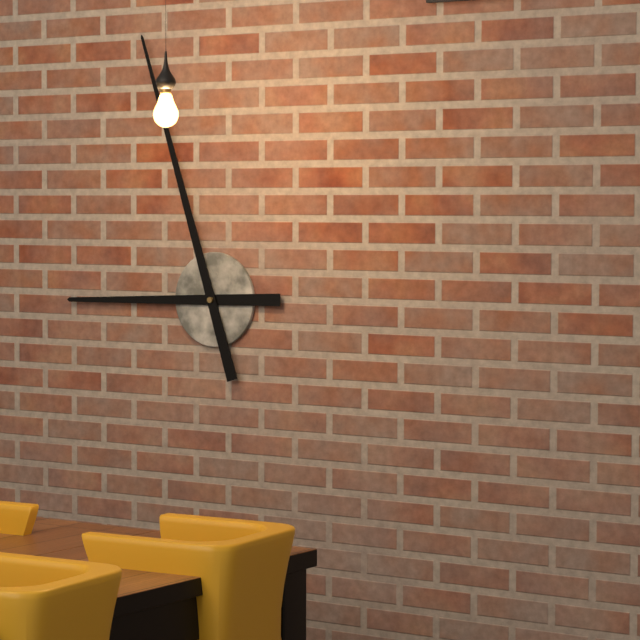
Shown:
8 h 57 min
